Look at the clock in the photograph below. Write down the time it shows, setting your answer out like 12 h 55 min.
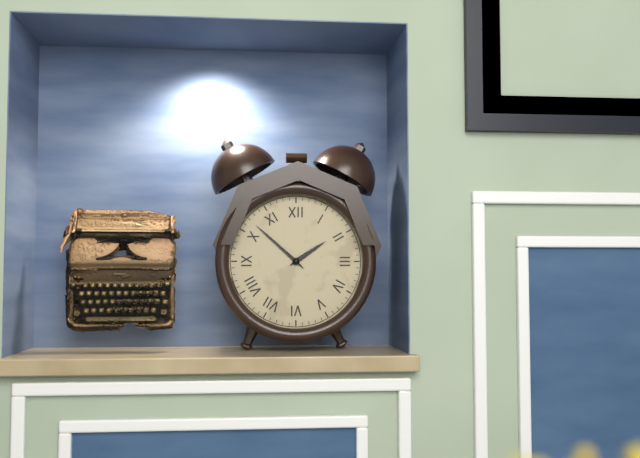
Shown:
1 h 52 min
